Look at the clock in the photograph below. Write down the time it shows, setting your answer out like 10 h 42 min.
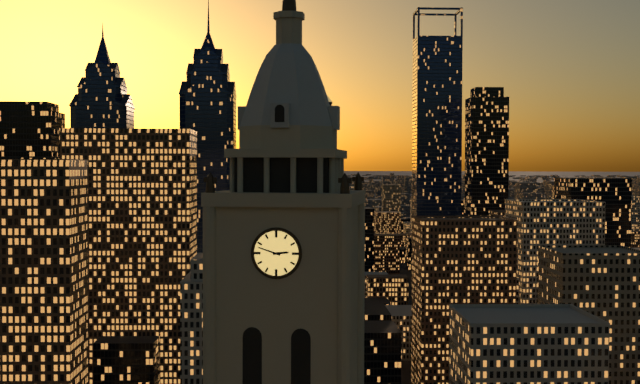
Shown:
2 h 48 min
